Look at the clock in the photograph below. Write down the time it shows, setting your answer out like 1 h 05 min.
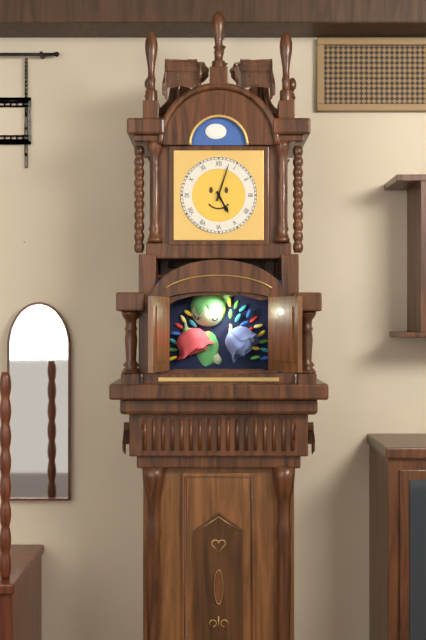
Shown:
5 h 03 min
